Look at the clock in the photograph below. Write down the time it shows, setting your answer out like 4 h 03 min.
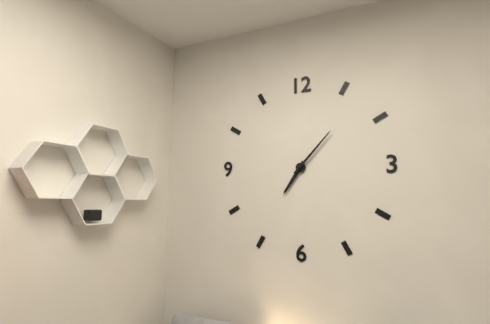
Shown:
7 h 07 min
